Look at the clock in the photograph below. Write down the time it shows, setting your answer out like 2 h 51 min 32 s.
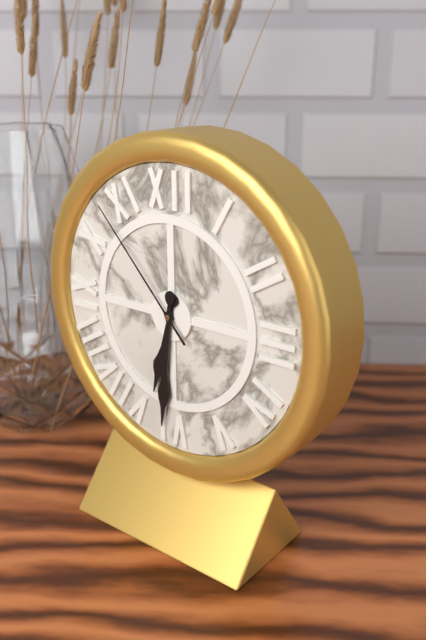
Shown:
6 h 31 min 53 s
